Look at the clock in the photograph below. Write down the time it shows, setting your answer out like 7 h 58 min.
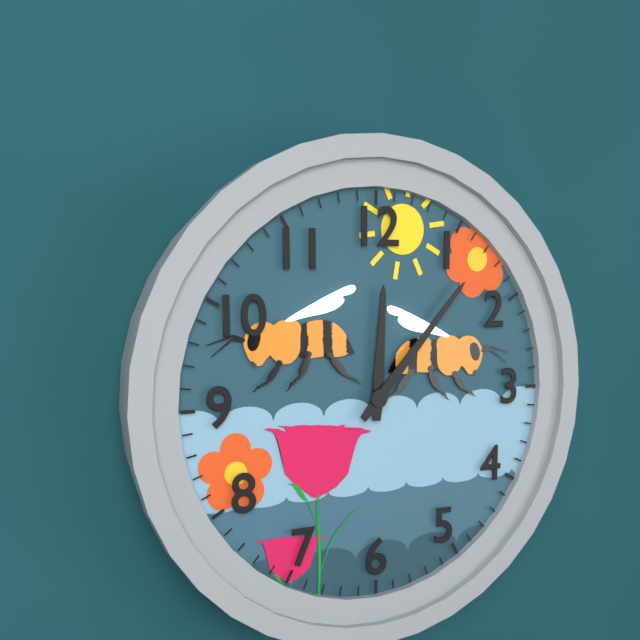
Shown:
12 h 07 min
